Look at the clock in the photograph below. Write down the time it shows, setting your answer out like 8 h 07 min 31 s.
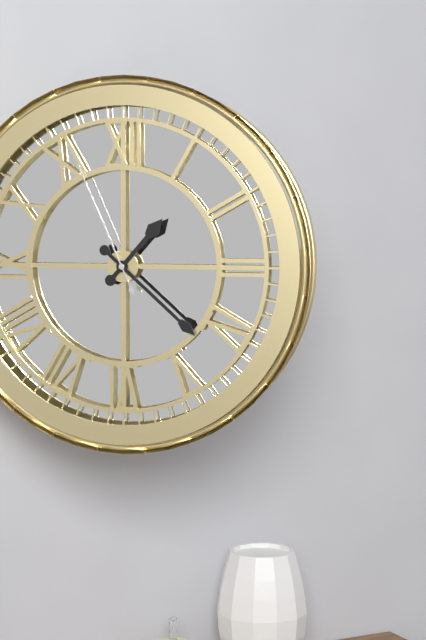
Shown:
1 h 22 min 56 s
